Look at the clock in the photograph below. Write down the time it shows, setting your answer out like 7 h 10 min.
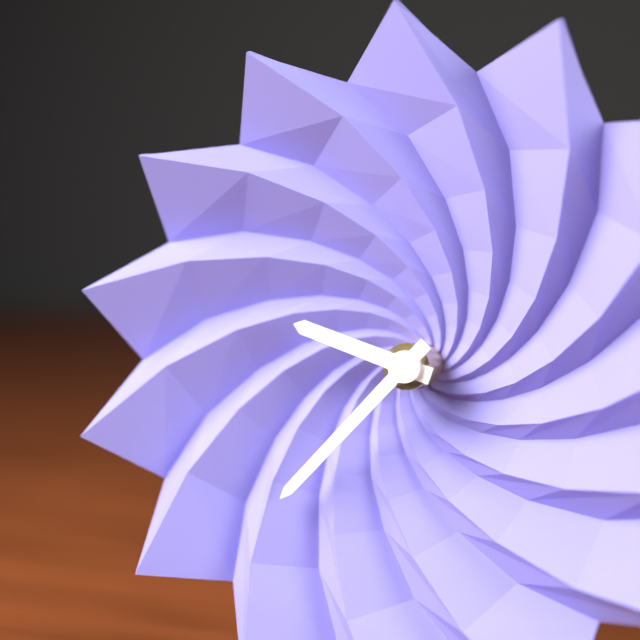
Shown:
9 h 37 min
